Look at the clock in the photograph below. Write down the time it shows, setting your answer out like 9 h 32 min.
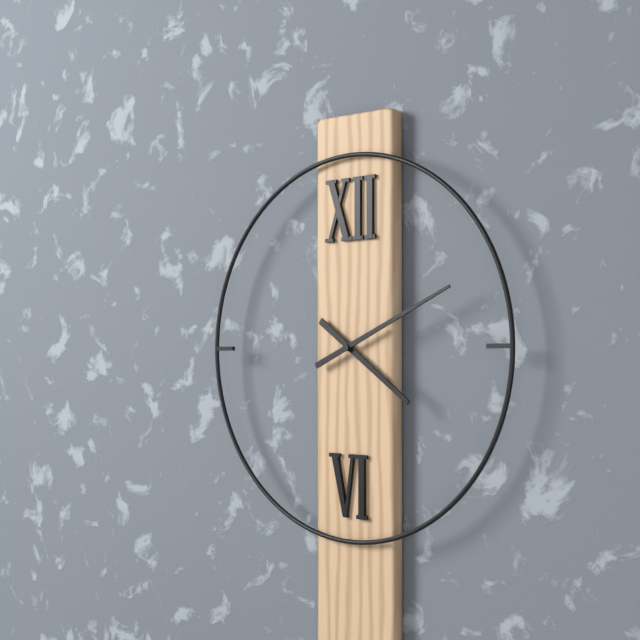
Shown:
4 h 11 min
